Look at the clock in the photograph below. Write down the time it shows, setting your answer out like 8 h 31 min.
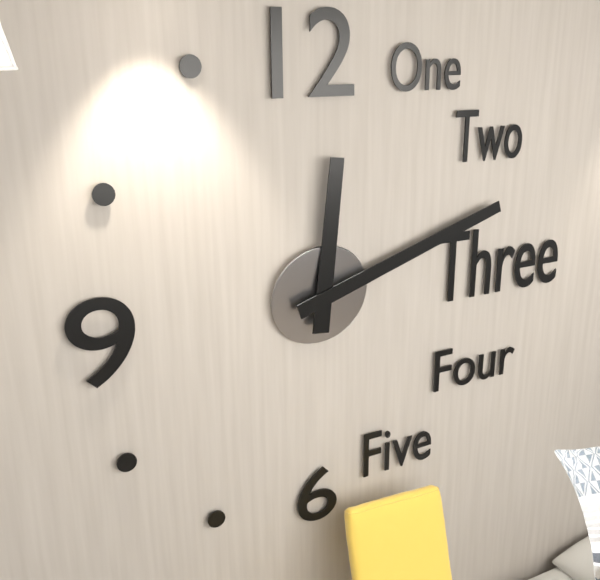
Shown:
12 h 12 min
